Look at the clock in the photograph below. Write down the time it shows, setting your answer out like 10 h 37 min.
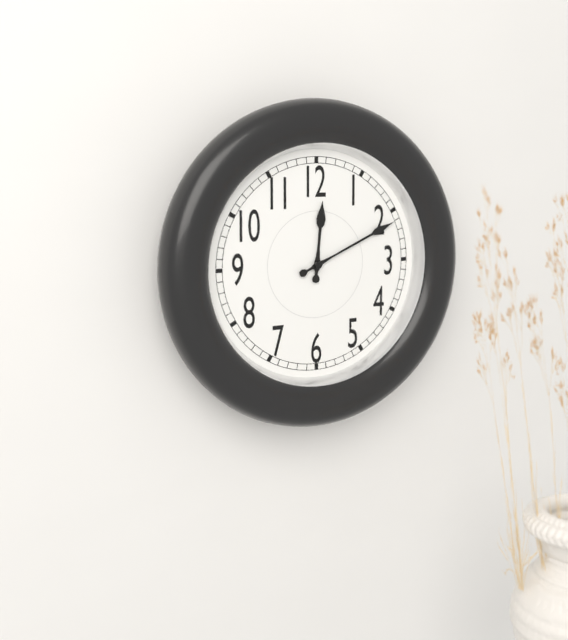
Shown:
12 h 11 min
